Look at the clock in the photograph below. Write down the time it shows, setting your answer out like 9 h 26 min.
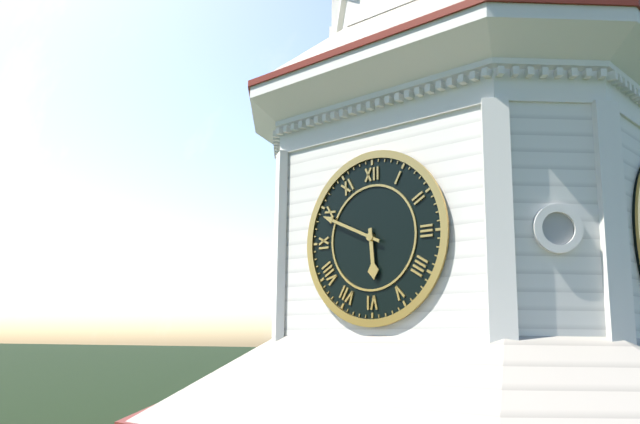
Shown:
5 h 49 min
